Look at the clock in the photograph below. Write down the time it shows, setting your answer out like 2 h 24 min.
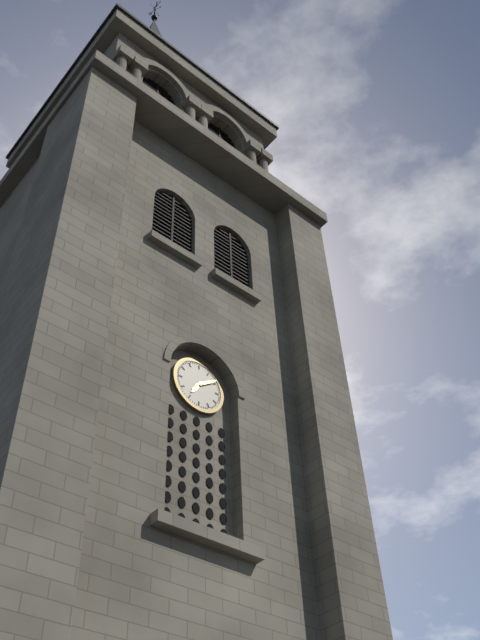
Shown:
7 h 09 min
